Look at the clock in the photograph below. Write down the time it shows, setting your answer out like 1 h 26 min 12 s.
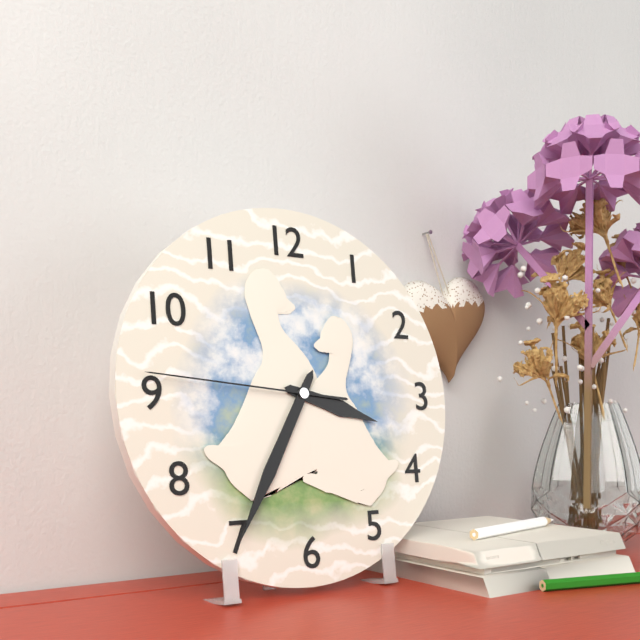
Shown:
3 h 35 min 46 s
